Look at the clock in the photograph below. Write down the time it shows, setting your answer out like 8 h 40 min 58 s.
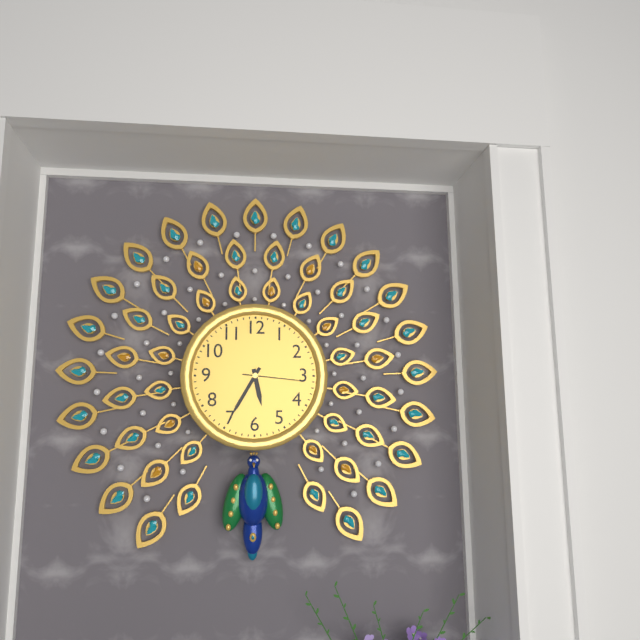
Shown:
5 h 35 min 16 s
